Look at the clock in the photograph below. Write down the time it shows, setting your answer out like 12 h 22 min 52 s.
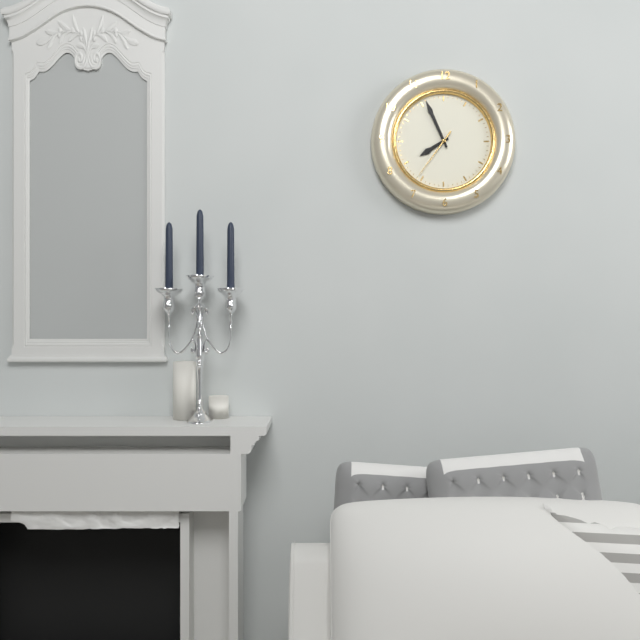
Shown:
7 h 56 min 36 s
